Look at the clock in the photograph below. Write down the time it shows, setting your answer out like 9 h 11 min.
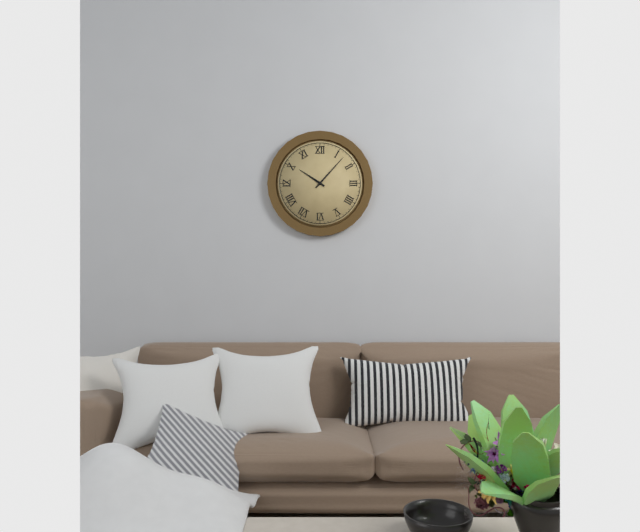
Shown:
10 h 07 min
